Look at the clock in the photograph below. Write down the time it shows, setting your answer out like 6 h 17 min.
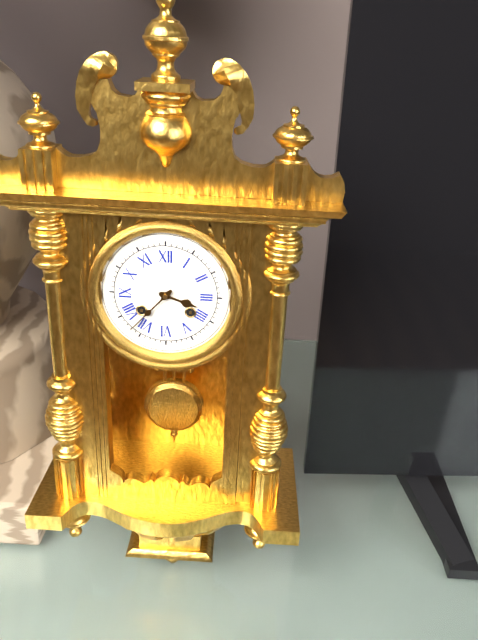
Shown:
3 h 37 min
